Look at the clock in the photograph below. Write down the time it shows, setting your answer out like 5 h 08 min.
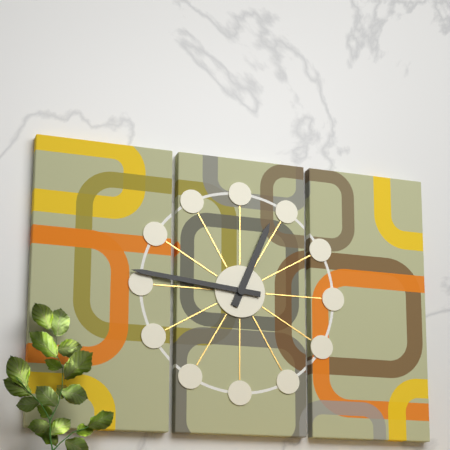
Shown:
12 h 46 min
